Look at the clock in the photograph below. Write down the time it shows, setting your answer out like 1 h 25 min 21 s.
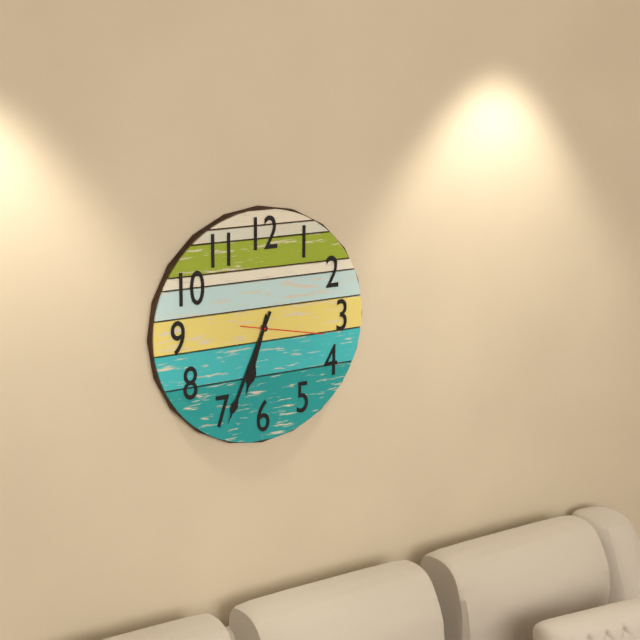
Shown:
6 h 34 min 17 s
